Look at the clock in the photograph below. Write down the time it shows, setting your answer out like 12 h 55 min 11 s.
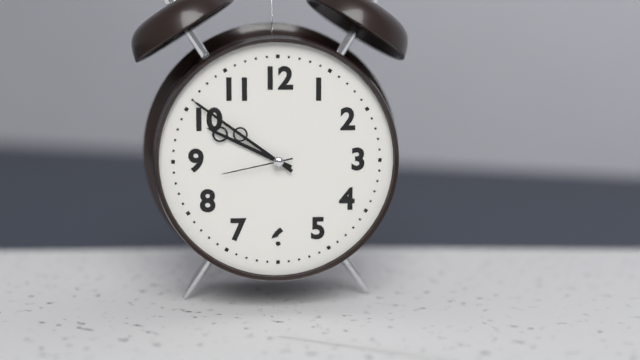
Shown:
9 h 51 min 43 s
